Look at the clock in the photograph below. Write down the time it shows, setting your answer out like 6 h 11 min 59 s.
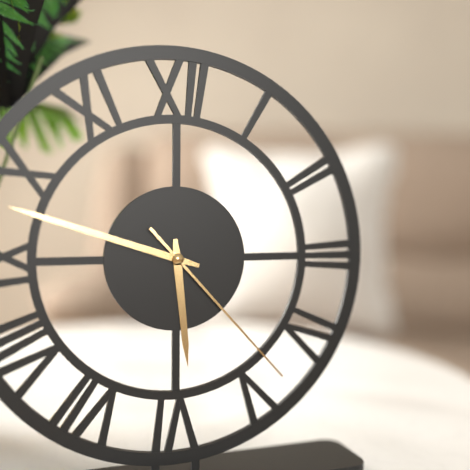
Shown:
5 h 48 min 23 s
